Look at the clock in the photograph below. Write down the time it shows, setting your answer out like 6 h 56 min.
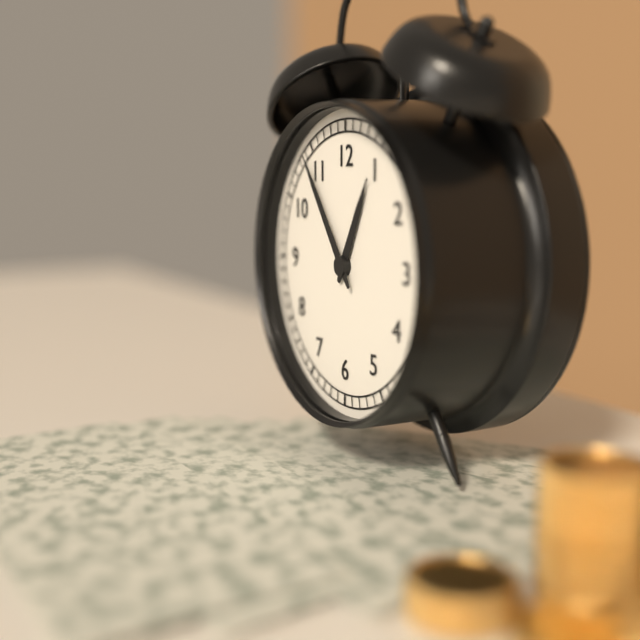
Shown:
12 h 54 min
